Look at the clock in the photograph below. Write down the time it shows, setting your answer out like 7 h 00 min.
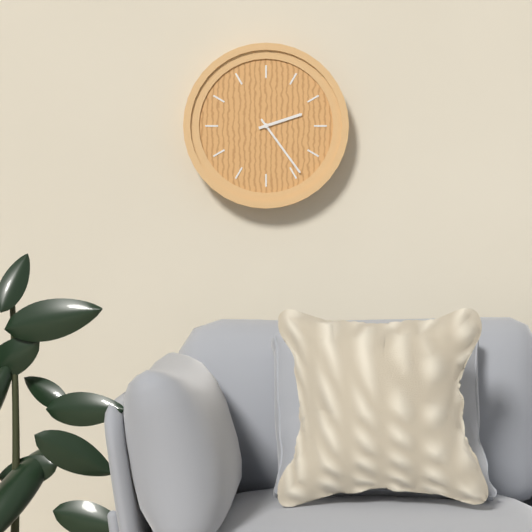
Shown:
2 h 24 min
